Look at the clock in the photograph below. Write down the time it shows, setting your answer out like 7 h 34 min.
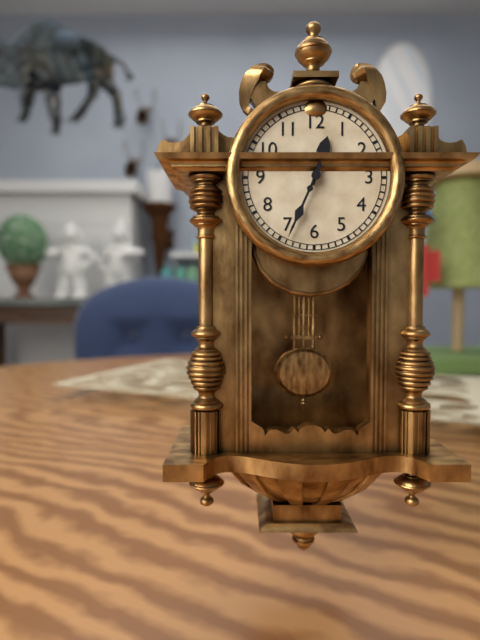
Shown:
12 h 34 min
